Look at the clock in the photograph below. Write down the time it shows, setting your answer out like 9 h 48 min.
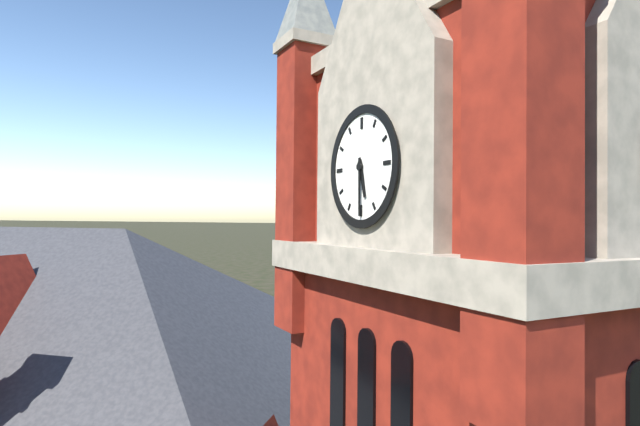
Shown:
5 h 30 min
